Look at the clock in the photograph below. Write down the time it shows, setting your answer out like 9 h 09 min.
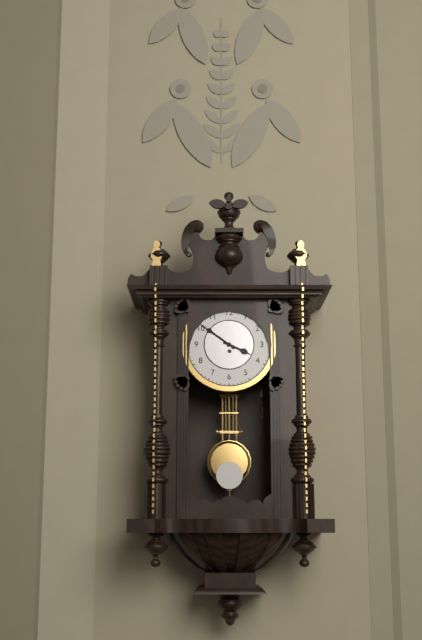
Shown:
3 h 51 min
